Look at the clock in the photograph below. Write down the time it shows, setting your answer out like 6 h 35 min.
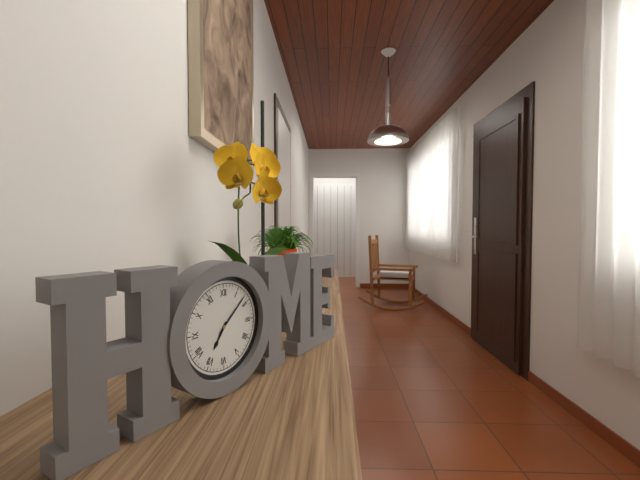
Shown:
7 h 08 min
